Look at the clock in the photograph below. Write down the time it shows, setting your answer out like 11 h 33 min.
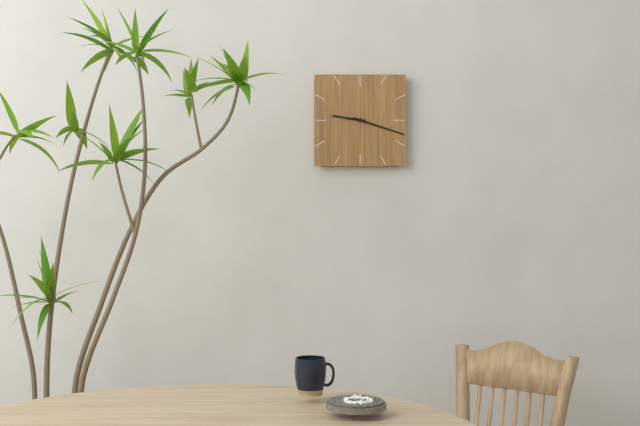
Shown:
9 h 18 min
